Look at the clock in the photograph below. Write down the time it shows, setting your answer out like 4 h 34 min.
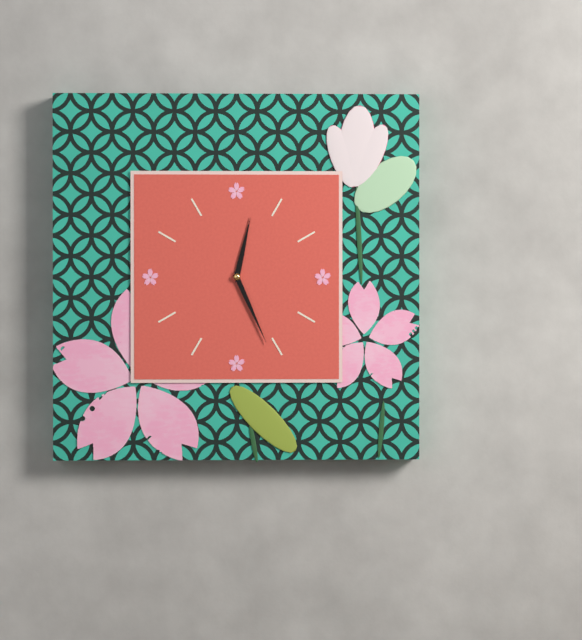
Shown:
12 h 26 min
